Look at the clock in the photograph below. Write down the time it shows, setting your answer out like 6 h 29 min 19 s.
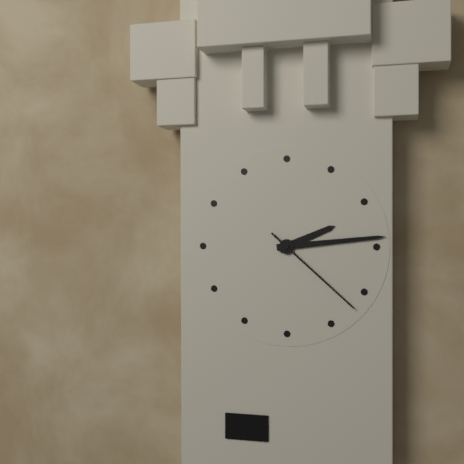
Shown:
2 h 14 min 22 s
